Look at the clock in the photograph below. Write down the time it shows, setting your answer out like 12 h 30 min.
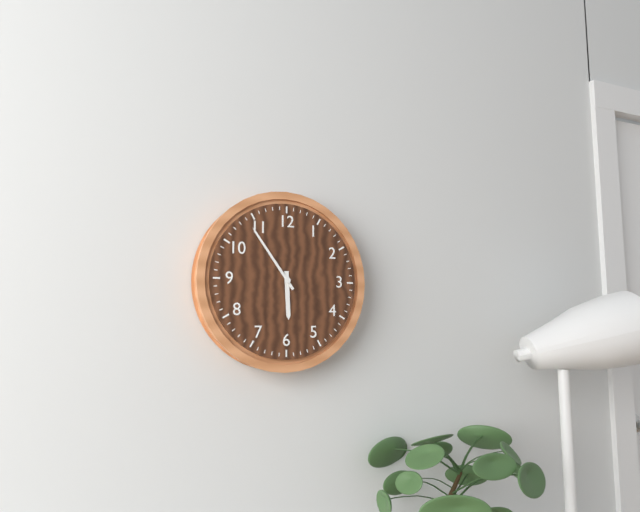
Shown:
5 h 54 min
